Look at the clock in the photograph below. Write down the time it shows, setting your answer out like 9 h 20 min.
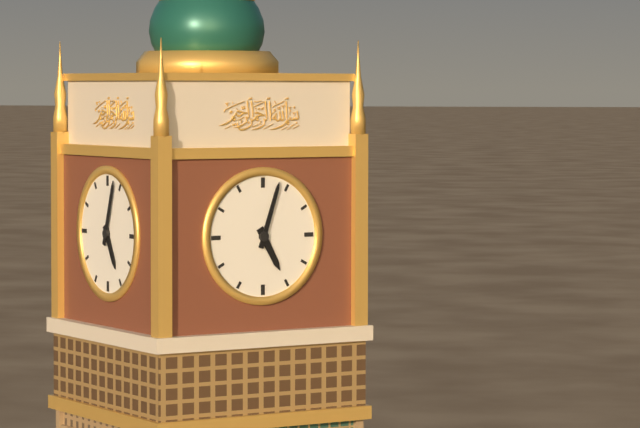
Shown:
5 h 03 min
